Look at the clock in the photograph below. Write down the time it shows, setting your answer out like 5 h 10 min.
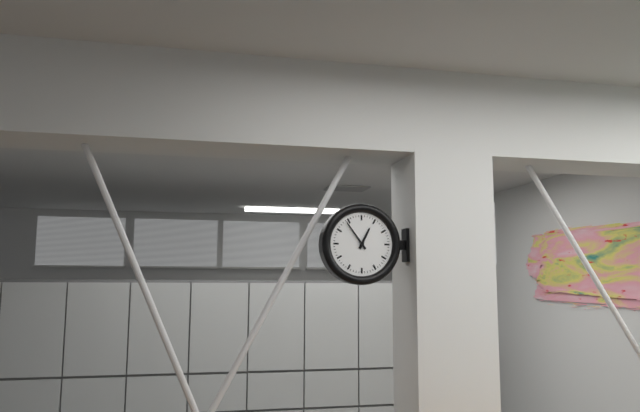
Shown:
12 h 54 min
